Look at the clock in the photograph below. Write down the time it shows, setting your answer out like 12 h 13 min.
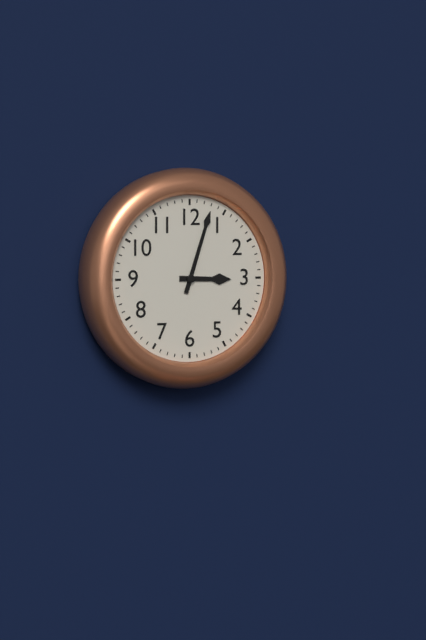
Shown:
3 h 03 min
